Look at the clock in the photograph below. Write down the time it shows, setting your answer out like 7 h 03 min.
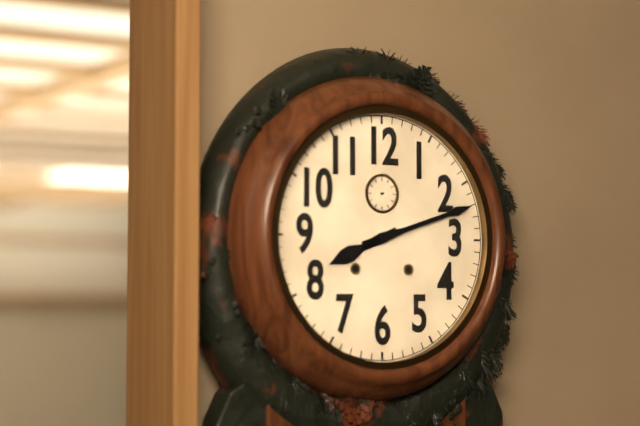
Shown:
8 h 12 min
